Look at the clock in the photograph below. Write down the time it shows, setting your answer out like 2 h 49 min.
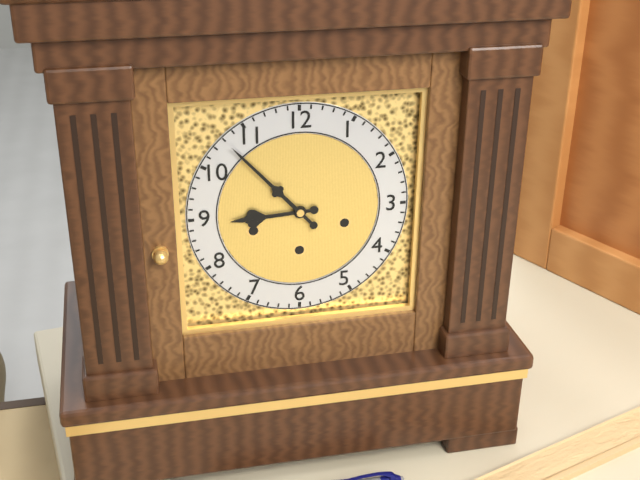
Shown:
8 h 53 min
